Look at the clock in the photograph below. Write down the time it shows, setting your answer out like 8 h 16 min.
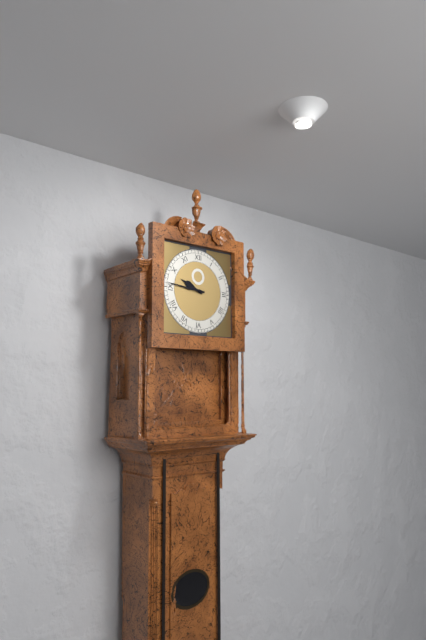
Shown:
9 h 46 min
